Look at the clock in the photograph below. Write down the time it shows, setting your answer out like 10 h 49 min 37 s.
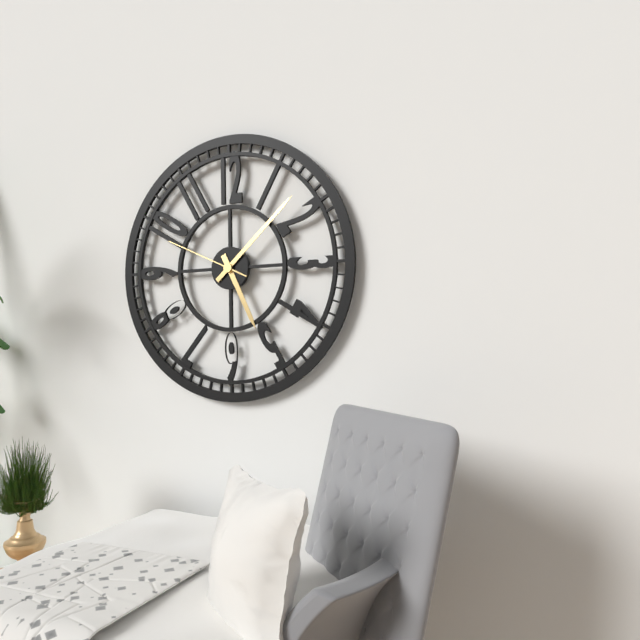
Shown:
5 h 08 min 49 s
